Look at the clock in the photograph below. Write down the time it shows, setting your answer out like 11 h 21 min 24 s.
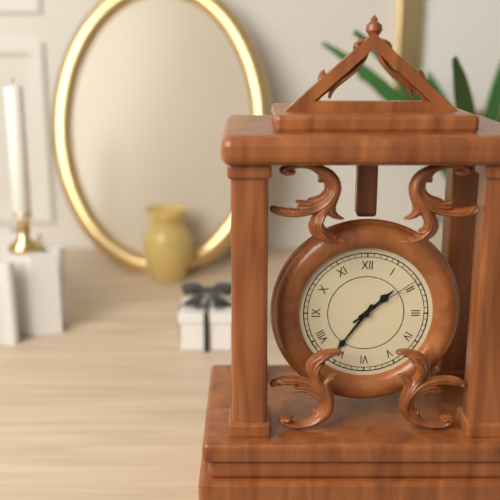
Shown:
1 h 36 min 09 s
